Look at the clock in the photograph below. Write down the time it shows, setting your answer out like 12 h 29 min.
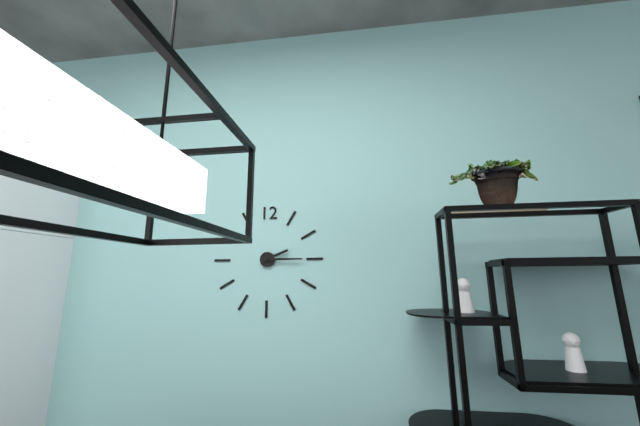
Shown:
2 h 15 min
